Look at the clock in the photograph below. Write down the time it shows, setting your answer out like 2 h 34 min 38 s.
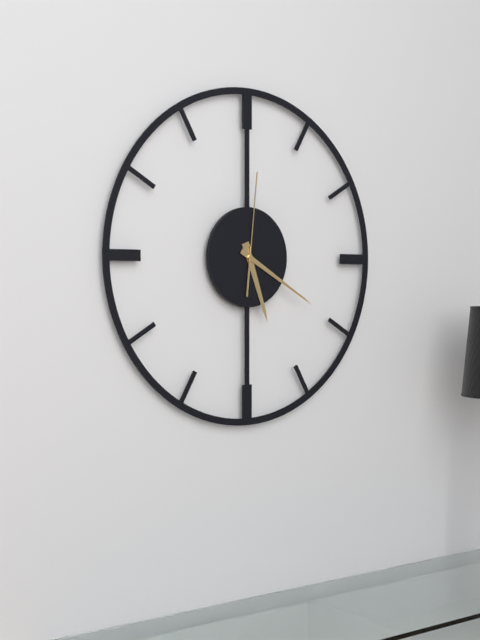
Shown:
5 h 20 min 01 s
